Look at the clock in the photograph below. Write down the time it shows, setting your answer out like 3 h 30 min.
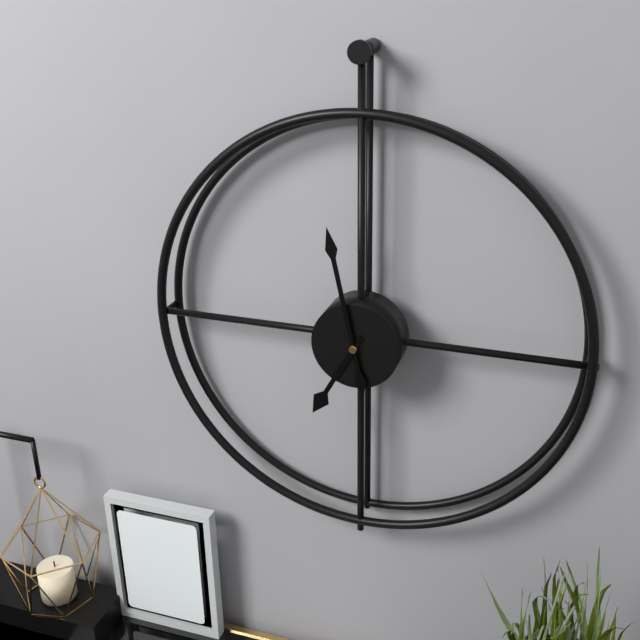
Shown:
6 h 58 min
